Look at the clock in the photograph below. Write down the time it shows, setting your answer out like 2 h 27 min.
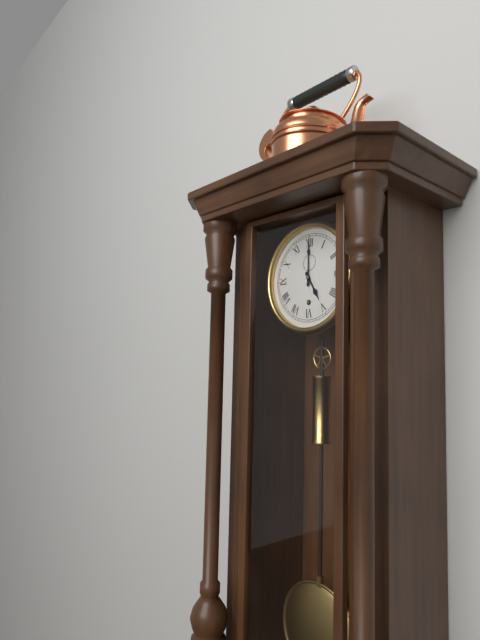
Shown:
5 h 00 min
